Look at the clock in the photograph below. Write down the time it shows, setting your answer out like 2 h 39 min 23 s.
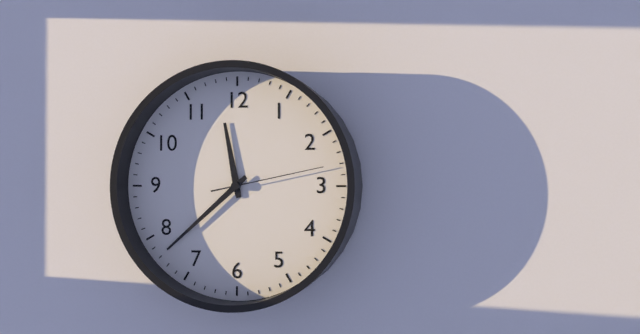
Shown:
11 h 38 min 13 s
